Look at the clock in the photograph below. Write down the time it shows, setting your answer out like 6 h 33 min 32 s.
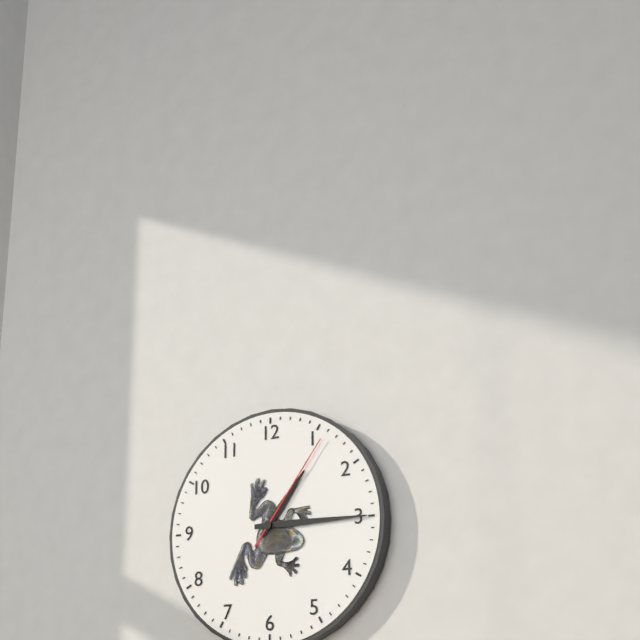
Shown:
1 h 15 min 06 s
